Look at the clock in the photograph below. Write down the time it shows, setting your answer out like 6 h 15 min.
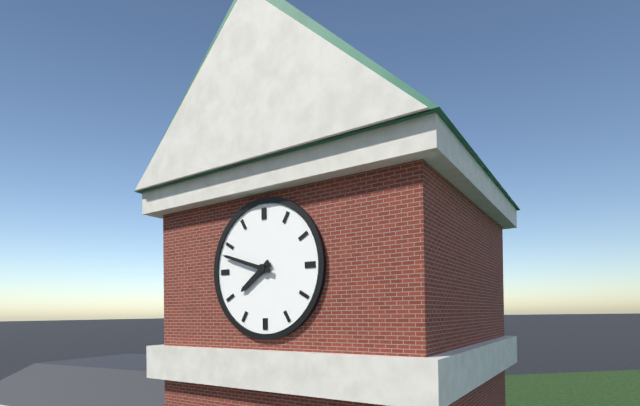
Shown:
7 h 48 min
